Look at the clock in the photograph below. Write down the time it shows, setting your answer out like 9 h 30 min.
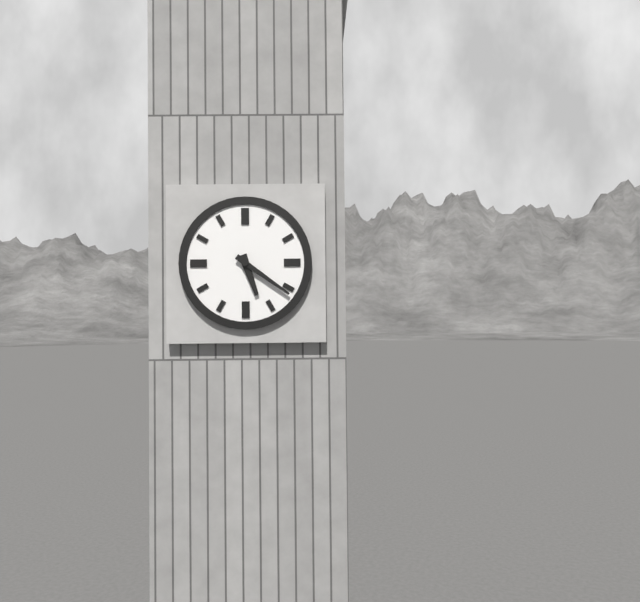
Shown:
5 h 21 min
